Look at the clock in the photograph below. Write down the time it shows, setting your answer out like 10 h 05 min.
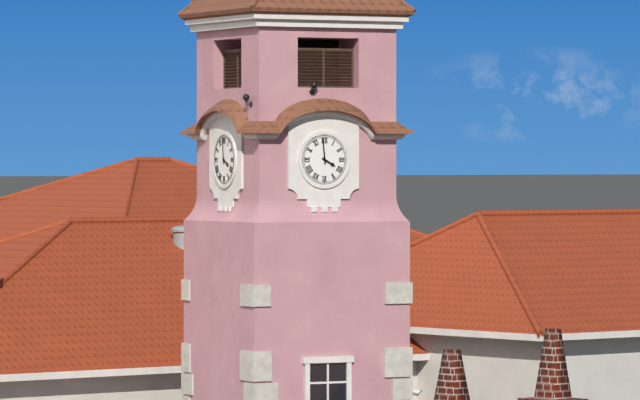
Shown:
3 h 59 min
